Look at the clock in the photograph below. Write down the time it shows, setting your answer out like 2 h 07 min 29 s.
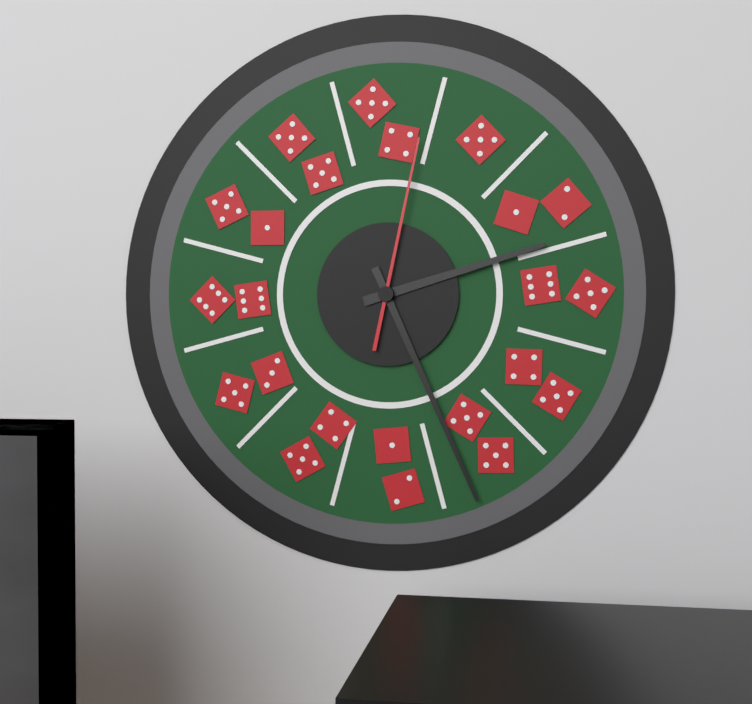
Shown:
2 h 26 min 02 s
